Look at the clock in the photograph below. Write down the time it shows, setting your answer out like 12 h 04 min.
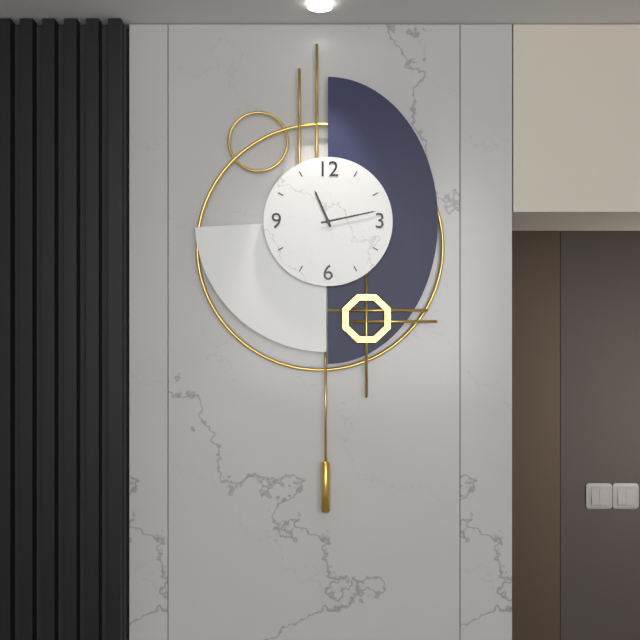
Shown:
11 h 13 min
